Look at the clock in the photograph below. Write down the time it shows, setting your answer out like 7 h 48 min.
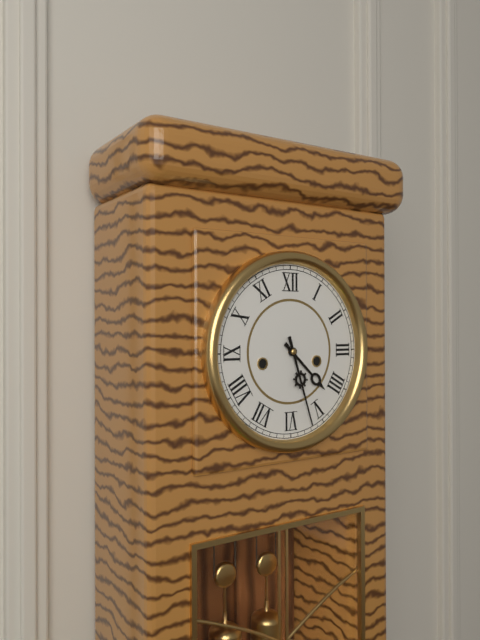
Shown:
4 h 27 min
